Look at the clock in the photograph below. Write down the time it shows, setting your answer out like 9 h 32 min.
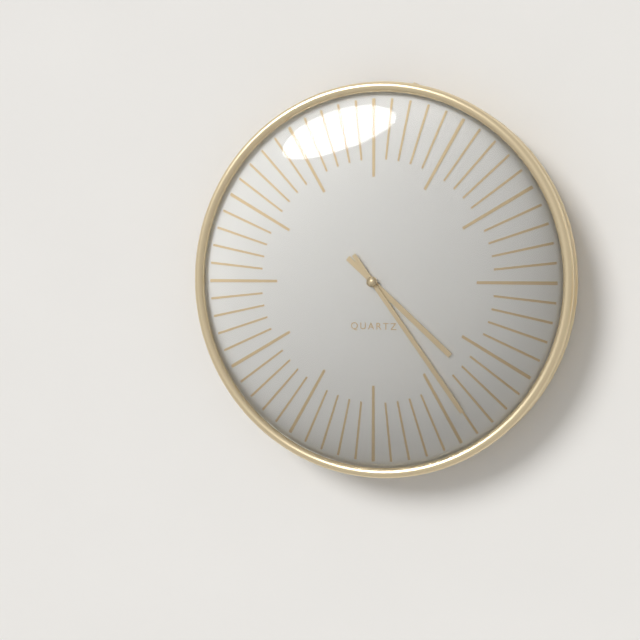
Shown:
4 h 24 min
